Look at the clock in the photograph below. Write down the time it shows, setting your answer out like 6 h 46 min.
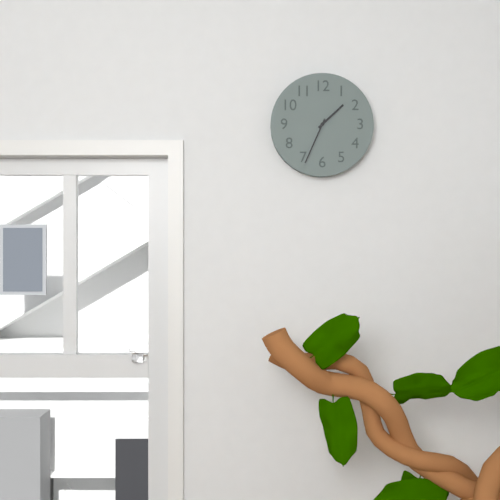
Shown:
1 h 34 min
